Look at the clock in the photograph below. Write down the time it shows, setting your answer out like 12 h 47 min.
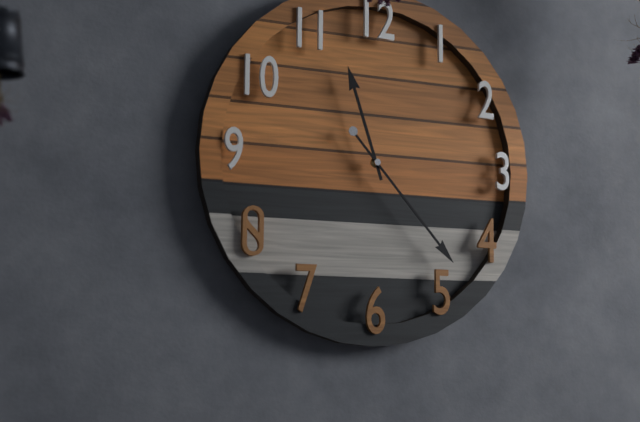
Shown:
11 h 23 min
